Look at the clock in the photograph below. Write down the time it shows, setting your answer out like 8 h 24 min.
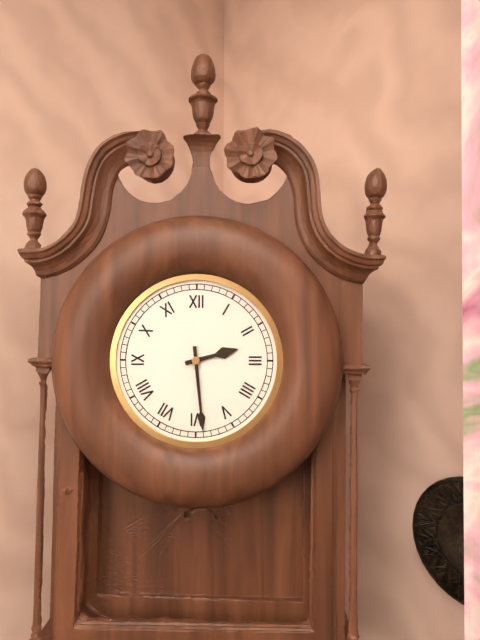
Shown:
2 h 29 min
